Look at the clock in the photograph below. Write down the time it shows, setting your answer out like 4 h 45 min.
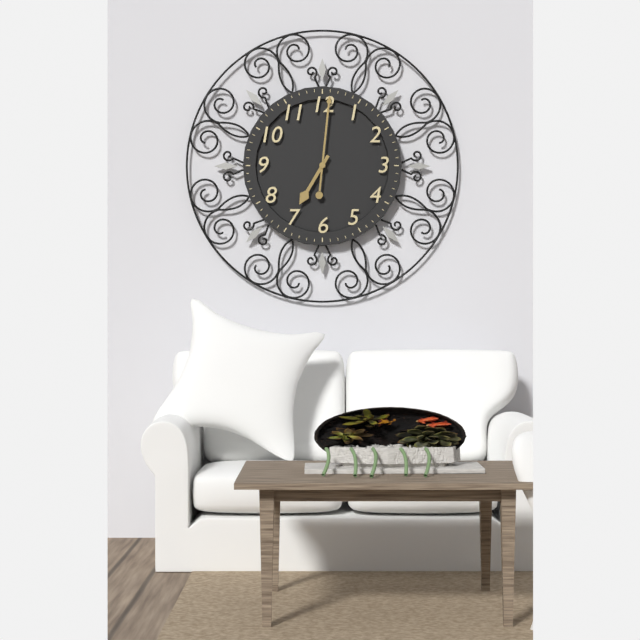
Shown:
7 h 01 min
